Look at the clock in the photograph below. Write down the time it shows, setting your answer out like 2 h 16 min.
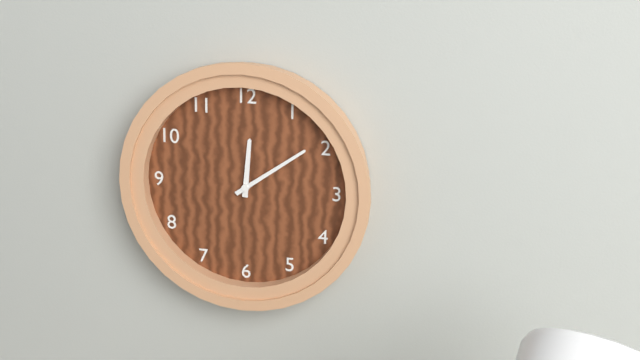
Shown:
12 h 09 min
